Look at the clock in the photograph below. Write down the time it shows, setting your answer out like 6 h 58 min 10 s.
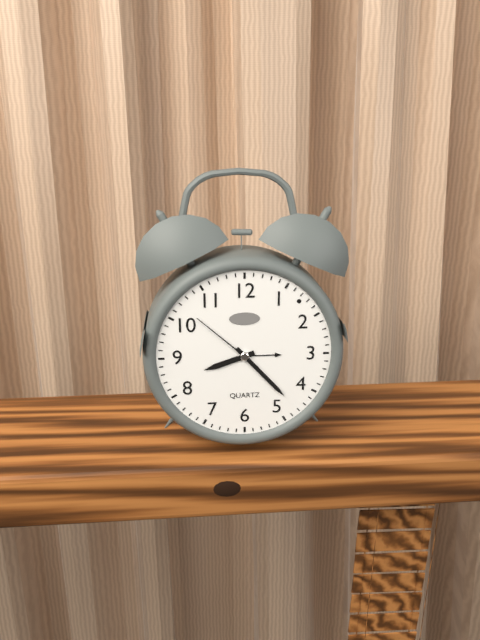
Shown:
8 h 23 min 52 s
